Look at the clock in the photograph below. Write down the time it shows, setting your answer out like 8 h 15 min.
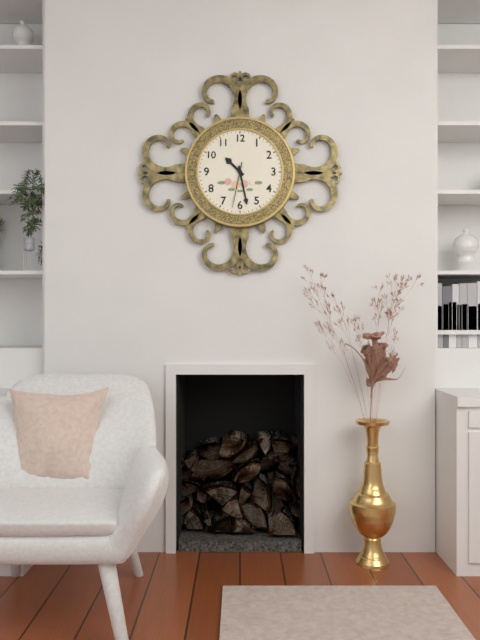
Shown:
10 h 28 min
